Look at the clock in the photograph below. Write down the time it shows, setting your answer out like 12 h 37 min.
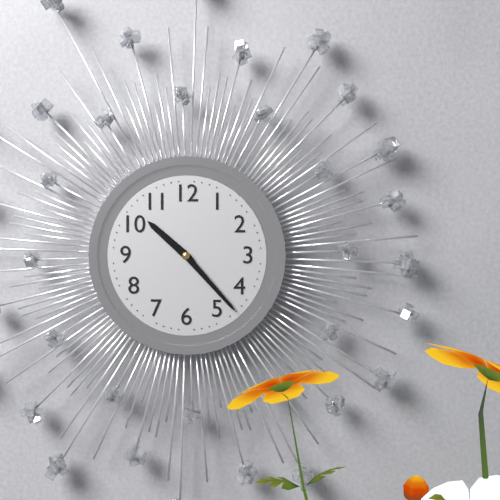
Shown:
10 h 23 min
